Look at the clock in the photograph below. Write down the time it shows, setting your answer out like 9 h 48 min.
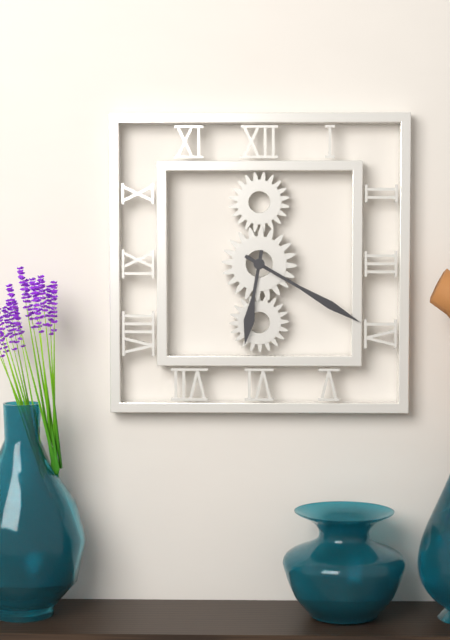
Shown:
6 h 20 min
